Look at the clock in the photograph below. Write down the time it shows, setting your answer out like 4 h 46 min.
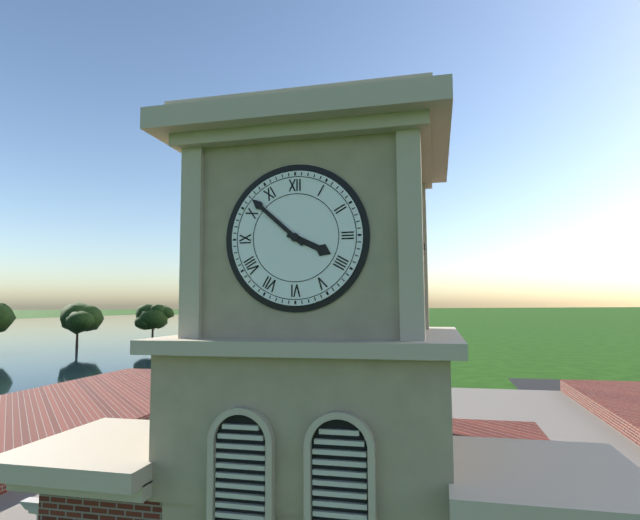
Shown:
3 h 52 min
